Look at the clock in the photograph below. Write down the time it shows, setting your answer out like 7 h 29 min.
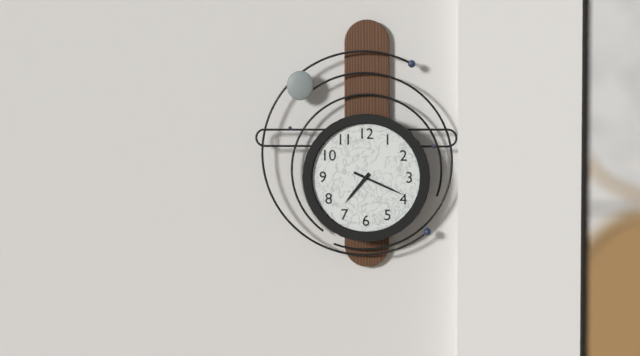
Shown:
7 h 19 min
